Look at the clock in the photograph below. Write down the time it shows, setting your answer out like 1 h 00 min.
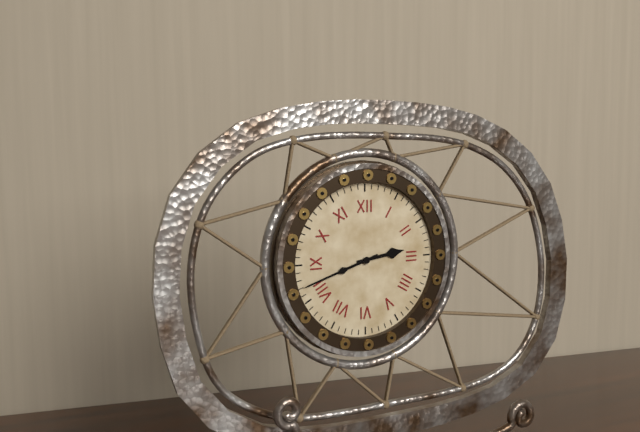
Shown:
2 h 42 min
